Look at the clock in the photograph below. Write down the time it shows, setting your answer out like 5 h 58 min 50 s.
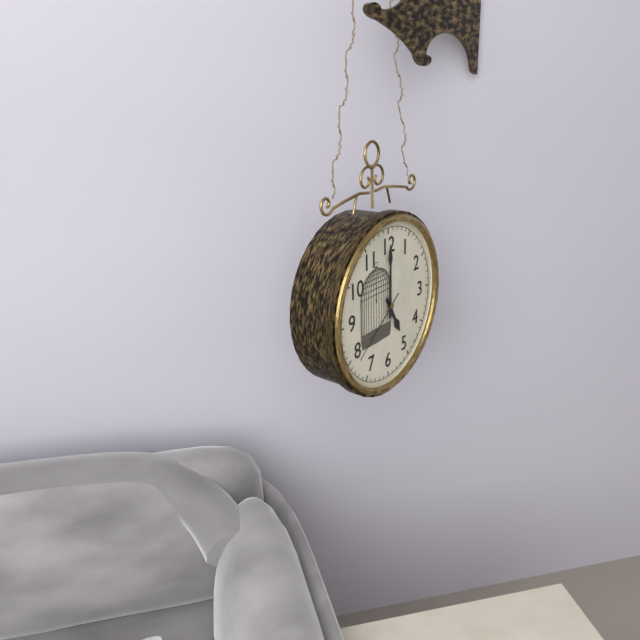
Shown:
5 h 00 min 39 s
